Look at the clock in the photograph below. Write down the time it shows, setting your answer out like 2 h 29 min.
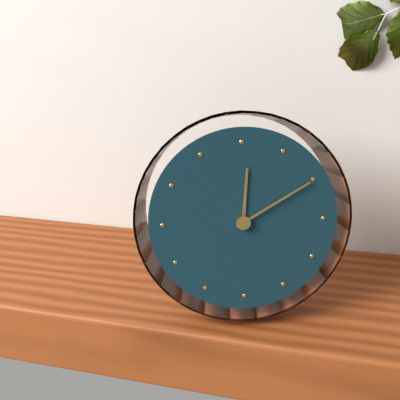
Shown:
12 h 10 min
